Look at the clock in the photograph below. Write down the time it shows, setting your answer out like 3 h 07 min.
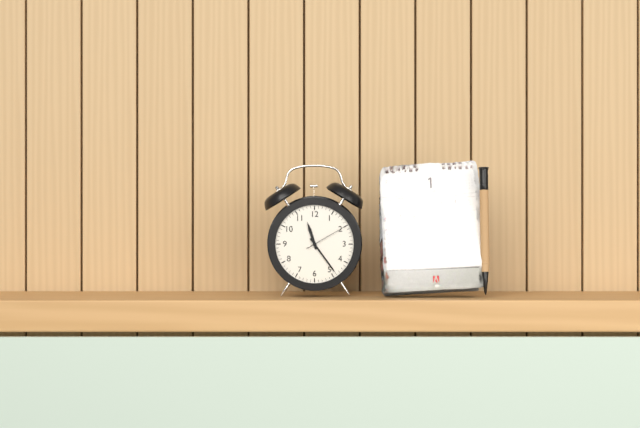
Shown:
11 h 24 min
